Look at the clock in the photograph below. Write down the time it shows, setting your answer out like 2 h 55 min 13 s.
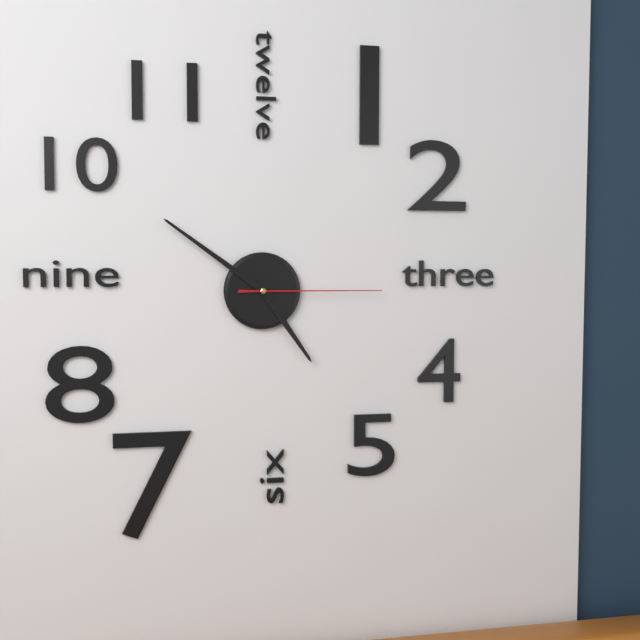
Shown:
4 h 51 min 15 s
